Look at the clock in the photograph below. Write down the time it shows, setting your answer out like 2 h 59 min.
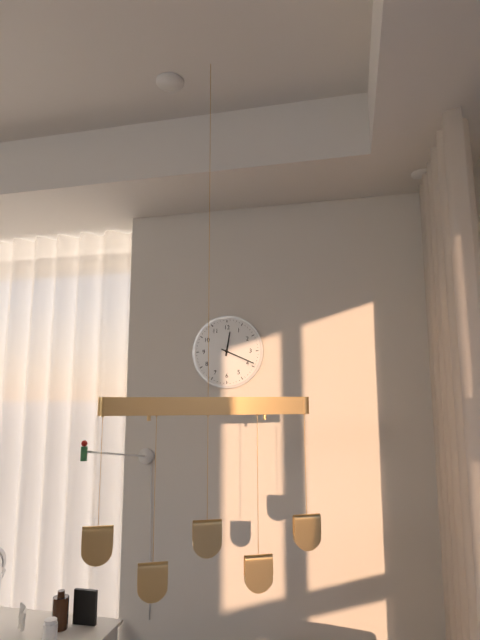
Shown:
12 h 19 min
